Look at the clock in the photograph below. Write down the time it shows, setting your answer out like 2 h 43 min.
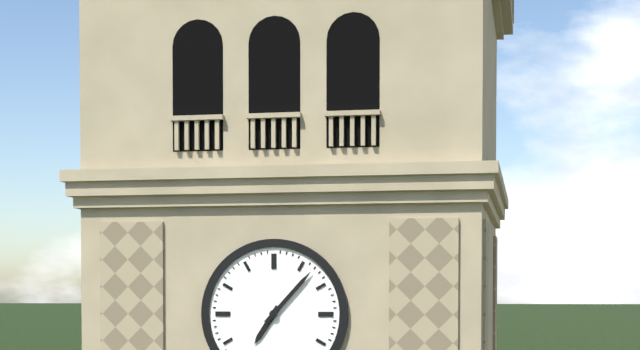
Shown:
7 h 07 min
